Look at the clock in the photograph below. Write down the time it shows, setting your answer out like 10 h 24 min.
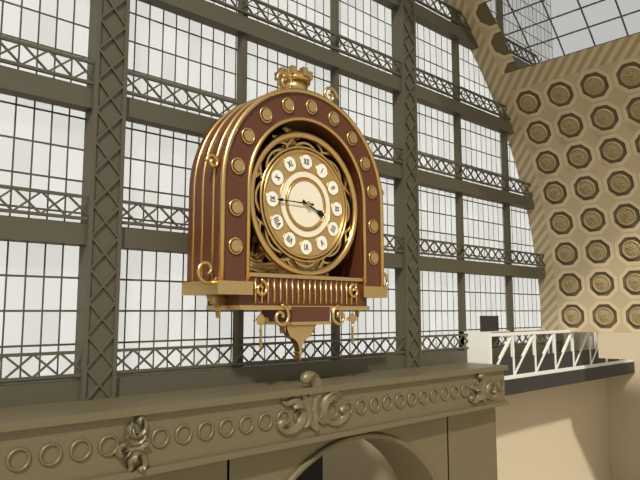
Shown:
3 h 45 min
